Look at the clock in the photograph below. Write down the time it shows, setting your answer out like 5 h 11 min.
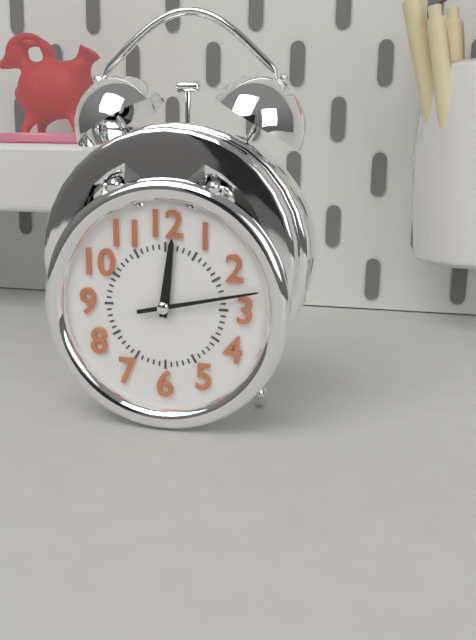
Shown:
12 h 13 min
